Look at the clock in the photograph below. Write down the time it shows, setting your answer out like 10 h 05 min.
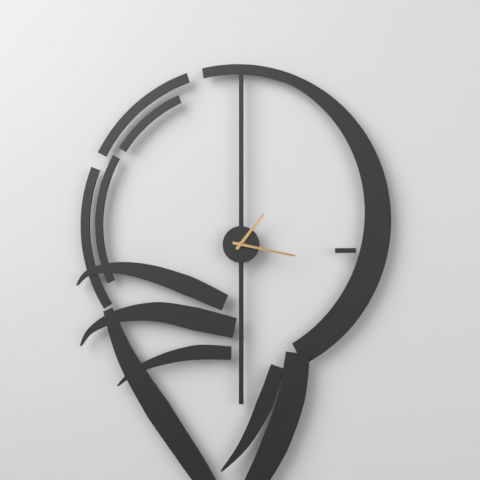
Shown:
1 h 17 min
